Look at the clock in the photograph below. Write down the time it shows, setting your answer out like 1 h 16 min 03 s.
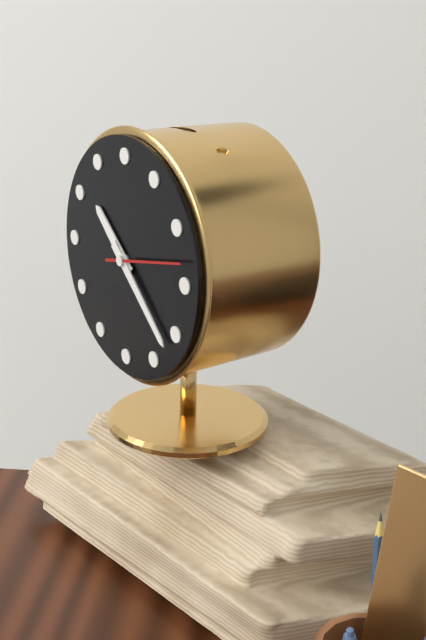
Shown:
10 h 22 min 13 s
